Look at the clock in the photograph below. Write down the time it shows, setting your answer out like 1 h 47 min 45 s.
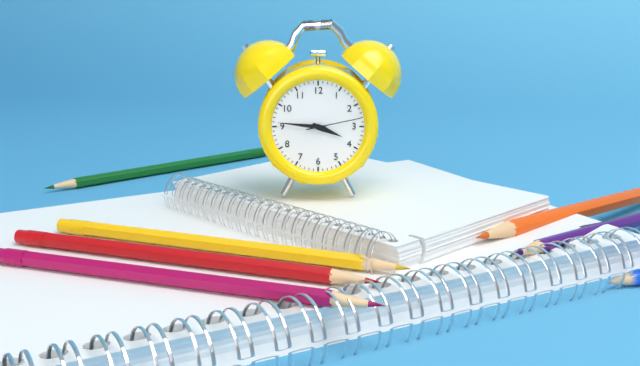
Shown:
3 h 46 min 13 s
